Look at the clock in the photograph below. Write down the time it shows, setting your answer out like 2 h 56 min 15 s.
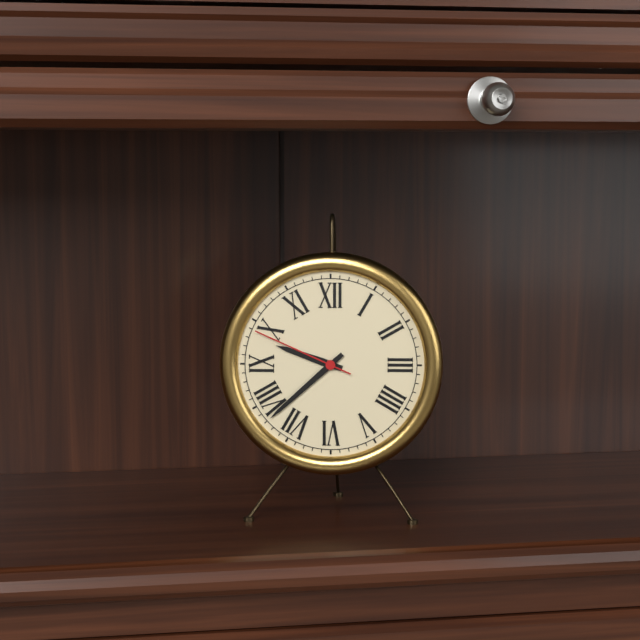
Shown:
9 h 38 min 49 s
